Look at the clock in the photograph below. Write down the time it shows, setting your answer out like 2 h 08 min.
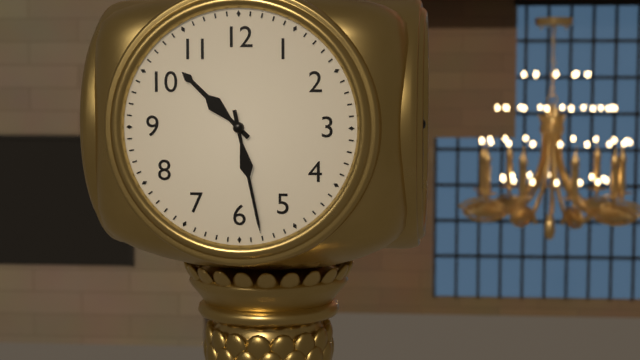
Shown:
10 h 28 min
